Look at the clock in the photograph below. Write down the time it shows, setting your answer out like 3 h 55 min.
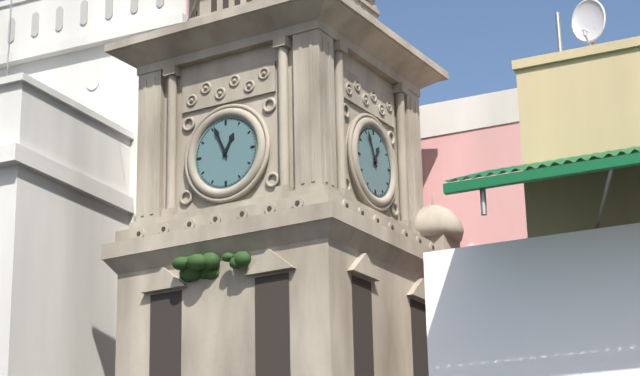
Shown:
12 h 56 min
